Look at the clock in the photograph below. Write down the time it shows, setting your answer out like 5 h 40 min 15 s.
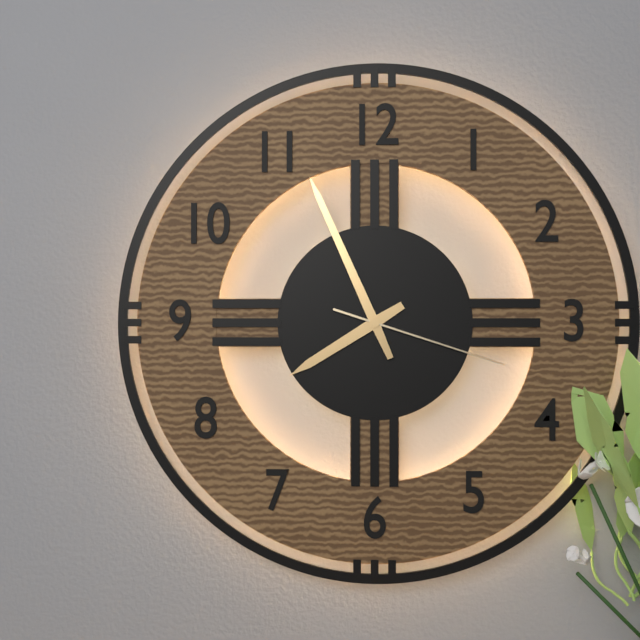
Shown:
7 h 56 min 18 s
